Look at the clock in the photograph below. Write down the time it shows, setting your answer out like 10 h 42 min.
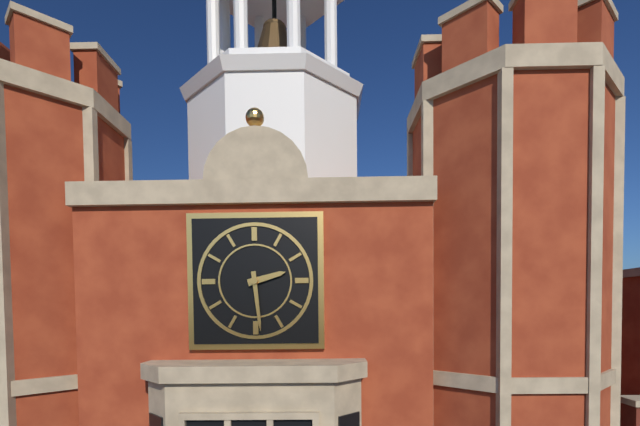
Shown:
2 h 29 min
